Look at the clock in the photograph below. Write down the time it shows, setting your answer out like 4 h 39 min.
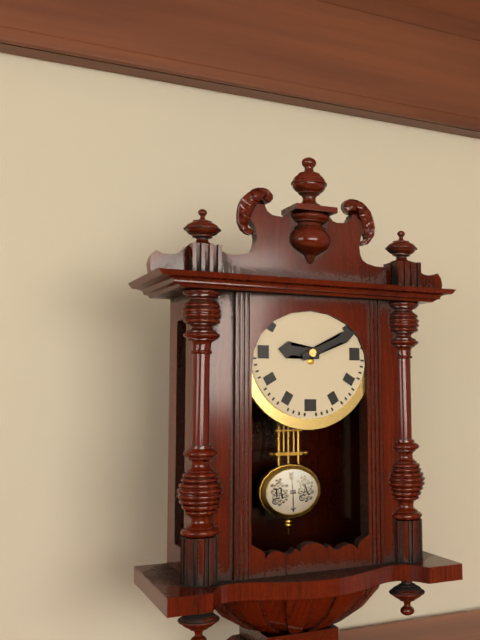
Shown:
9 h 11 min
